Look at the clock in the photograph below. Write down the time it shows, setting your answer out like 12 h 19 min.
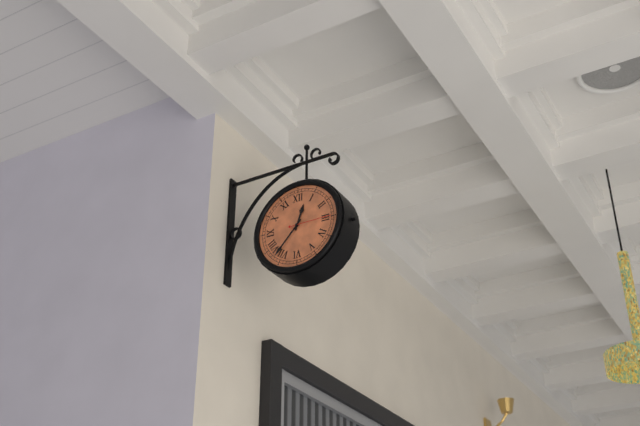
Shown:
12 h 37 min
